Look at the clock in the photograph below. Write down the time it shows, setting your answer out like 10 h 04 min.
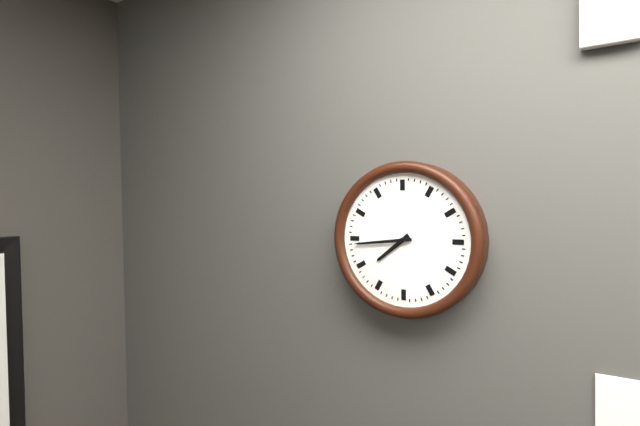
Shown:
7 h 44 min
